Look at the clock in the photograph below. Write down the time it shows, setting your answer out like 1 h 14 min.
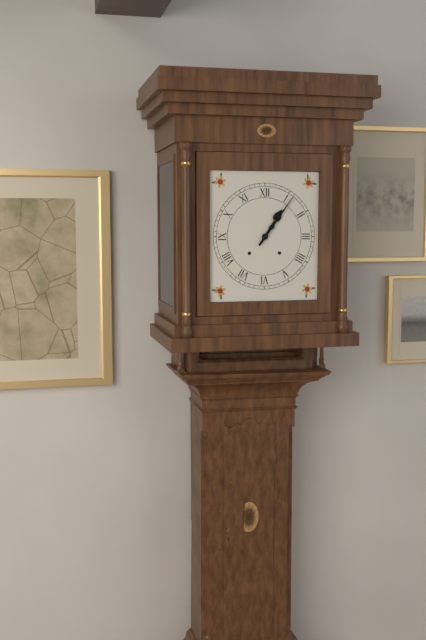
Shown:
1 h 06 min
